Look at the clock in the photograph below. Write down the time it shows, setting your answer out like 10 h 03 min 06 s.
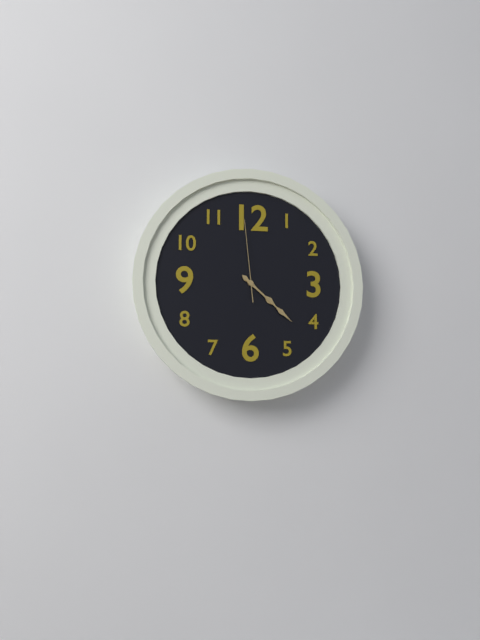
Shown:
4 h 22 min 59 s
